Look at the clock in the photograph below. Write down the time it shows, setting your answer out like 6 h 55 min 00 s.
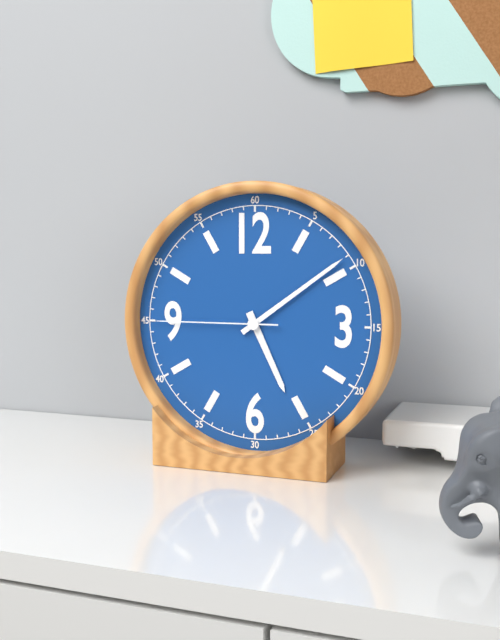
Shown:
5 h 09 min 45 s
